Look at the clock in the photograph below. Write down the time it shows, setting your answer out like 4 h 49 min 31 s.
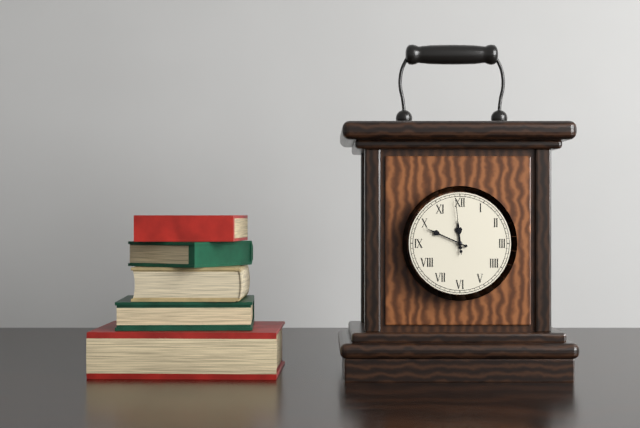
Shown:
11 h 49 min 59 s
